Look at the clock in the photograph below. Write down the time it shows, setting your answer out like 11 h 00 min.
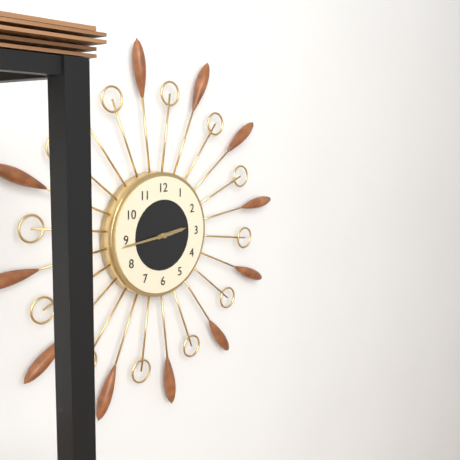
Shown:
2 h 44 min
